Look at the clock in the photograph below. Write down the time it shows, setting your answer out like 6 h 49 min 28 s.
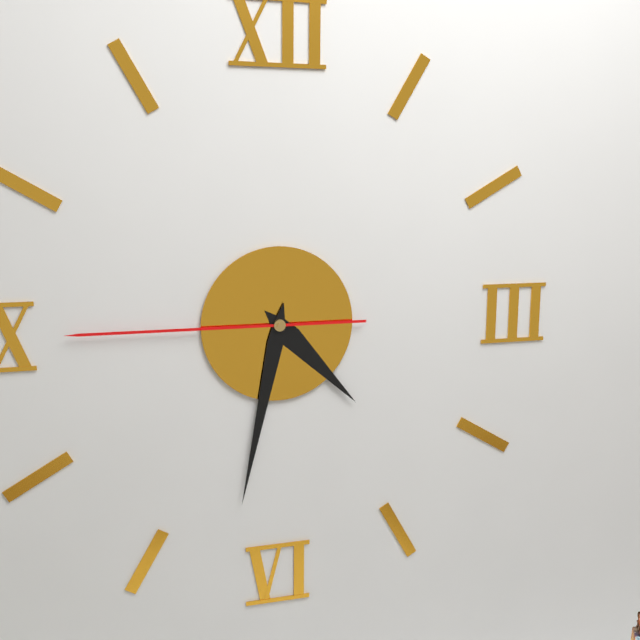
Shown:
4 h 32 min 45 s
